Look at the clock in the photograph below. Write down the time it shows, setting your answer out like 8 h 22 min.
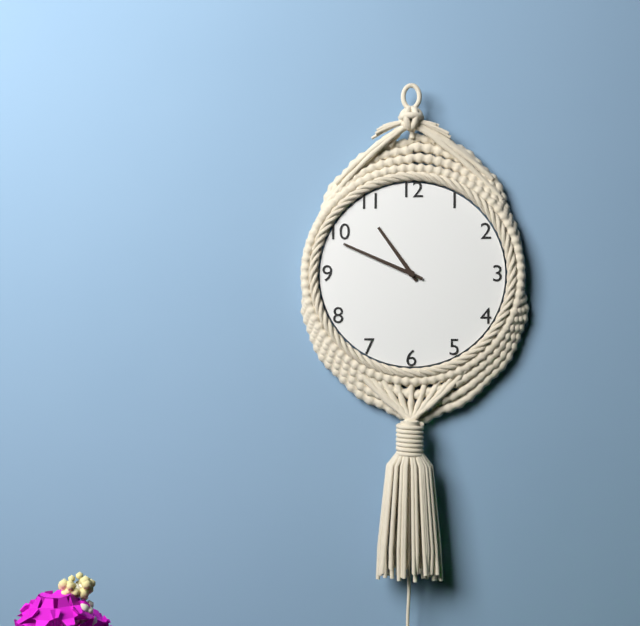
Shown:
10 h 49 min
